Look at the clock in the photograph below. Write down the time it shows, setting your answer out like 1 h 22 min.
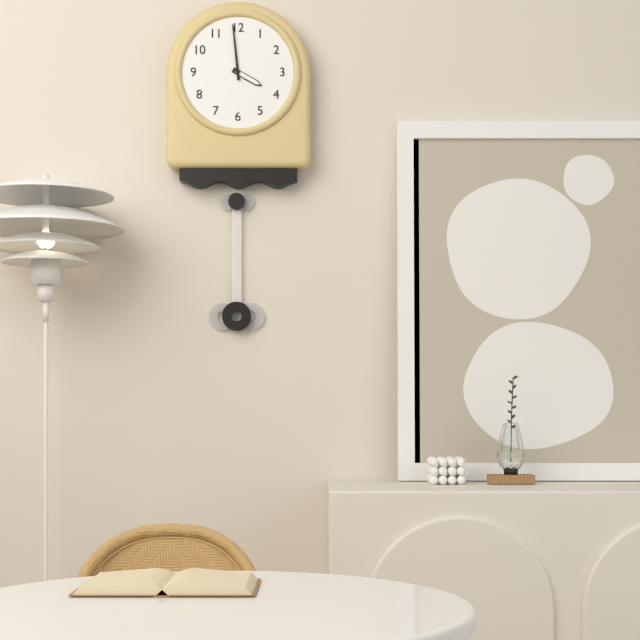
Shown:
3 h 59 min
